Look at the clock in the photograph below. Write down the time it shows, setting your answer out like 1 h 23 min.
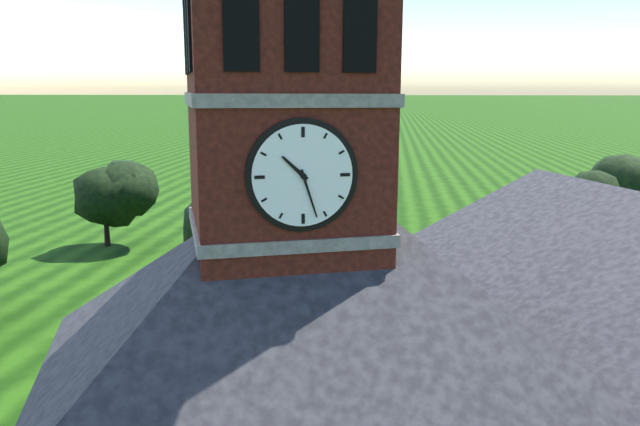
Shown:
10 h 27 min
